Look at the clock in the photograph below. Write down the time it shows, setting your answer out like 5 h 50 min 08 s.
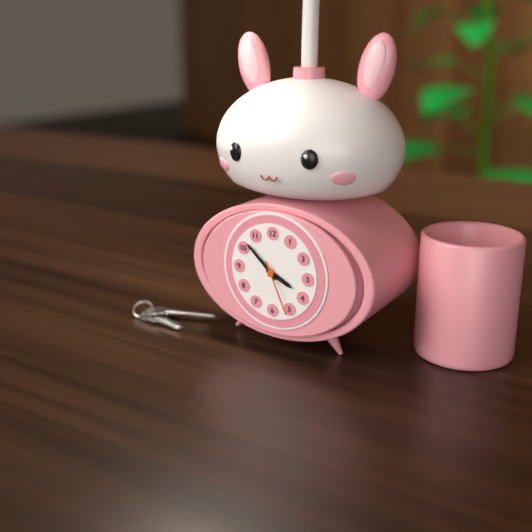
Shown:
3 h 52 min 26 s
